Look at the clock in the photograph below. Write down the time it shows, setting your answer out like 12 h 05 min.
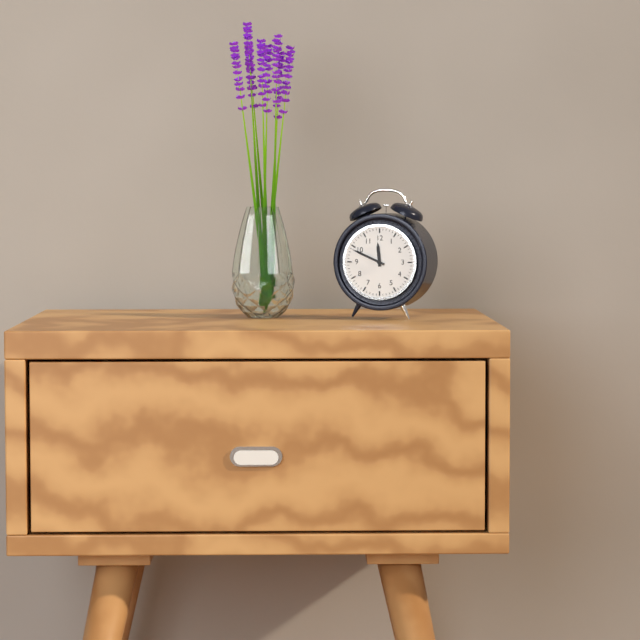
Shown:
11 h 49 min
